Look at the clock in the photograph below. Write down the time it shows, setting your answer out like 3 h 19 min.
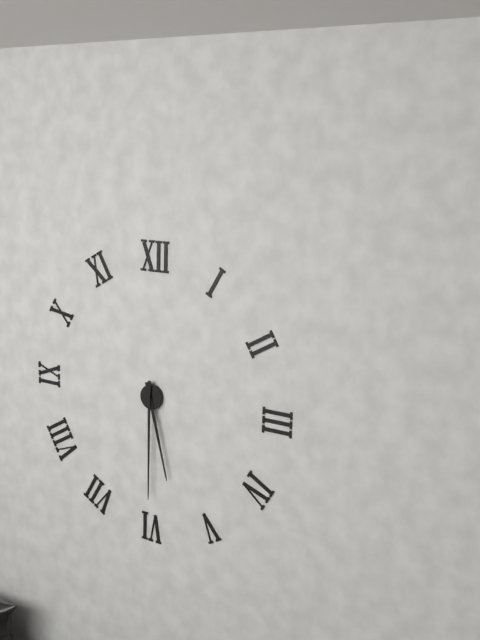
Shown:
5 h 30 min
